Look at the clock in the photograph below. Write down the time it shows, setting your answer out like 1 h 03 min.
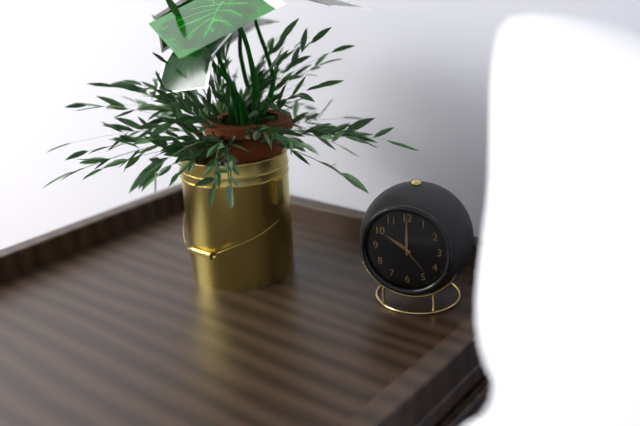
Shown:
10 h 00 min
